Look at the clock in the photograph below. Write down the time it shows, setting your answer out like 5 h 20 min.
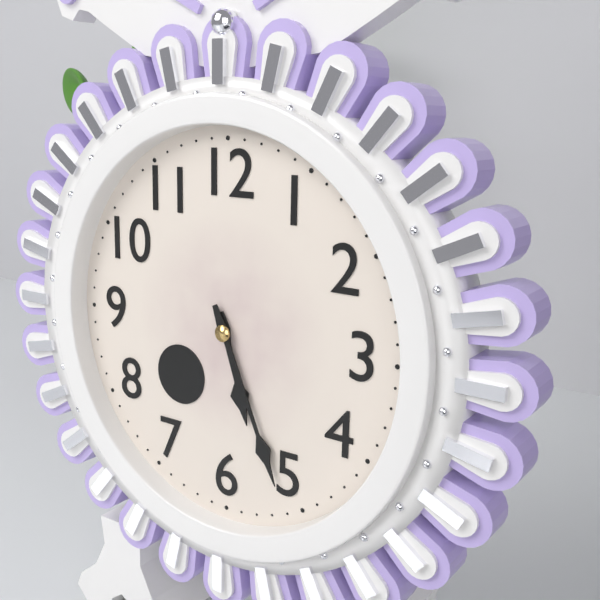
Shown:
5 h 26 min
